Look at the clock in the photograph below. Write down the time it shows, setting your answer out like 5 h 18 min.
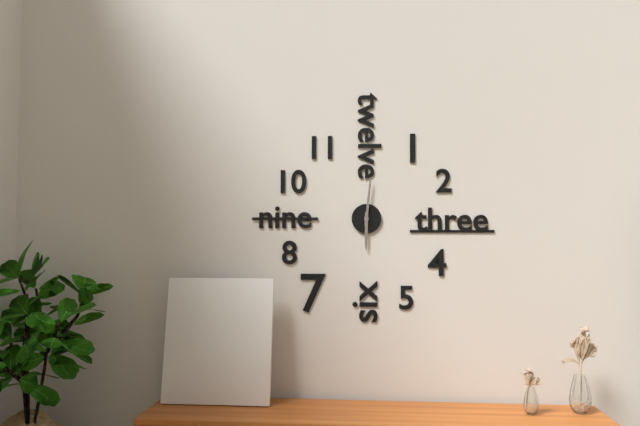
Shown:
6 h 01 min
